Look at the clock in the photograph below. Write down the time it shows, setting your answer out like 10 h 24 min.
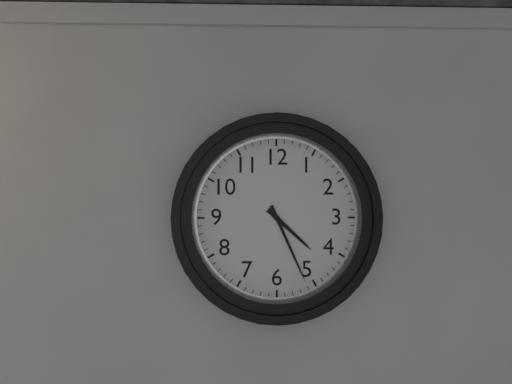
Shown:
4 h 26 min
